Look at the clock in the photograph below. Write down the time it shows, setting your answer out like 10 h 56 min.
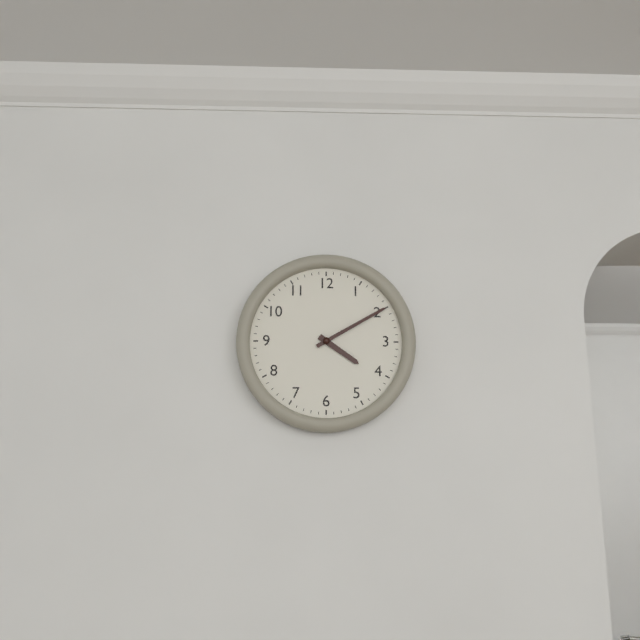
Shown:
4 h 10 min
